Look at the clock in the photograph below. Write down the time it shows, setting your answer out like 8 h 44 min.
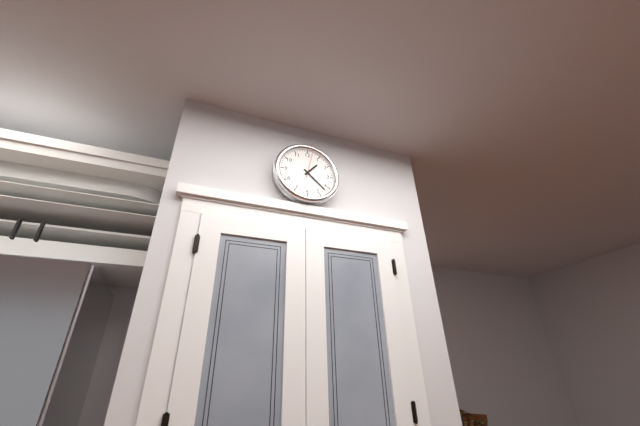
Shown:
1 h 22 min
